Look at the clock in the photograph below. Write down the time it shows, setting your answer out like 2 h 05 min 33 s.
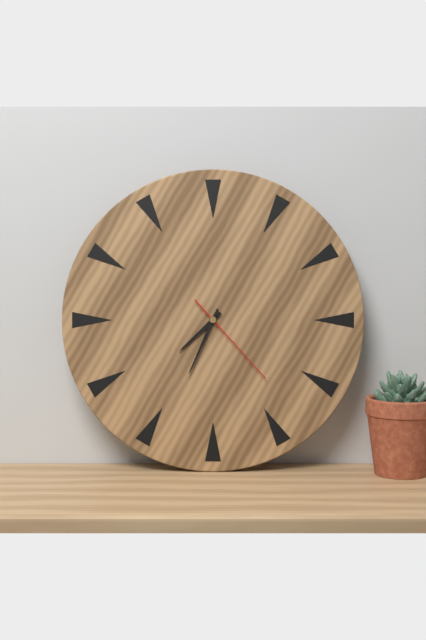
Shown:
7 h 34 min 23 s
